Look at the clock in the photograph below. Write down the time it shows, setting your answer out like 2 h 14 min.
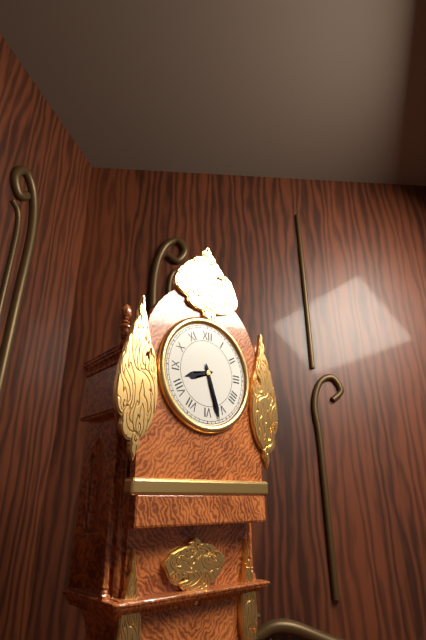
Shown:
8 h 27 min
